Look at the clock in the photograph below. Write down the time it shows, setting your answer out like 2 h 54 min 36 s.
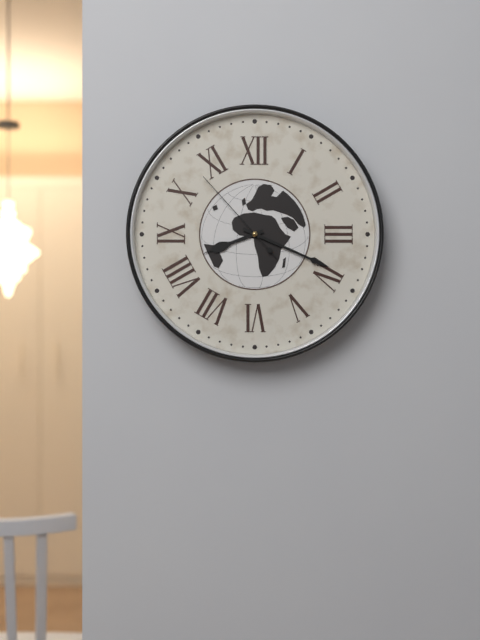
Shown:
8 h 19 min 53 s
